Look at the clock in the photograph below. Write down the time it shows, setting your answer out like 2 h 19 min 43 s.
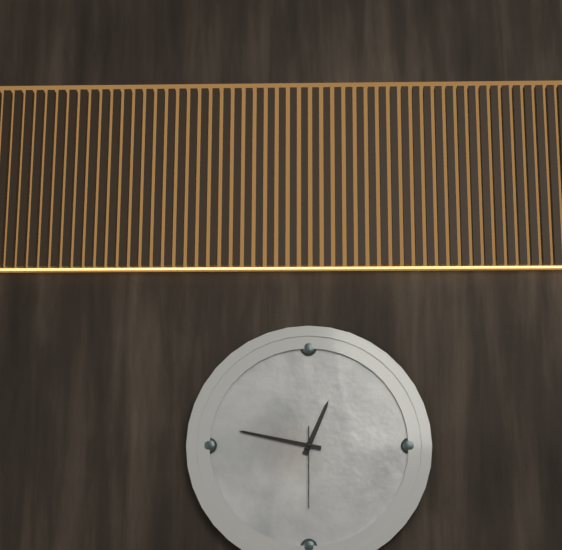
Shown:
12 h 47 min 30 s
